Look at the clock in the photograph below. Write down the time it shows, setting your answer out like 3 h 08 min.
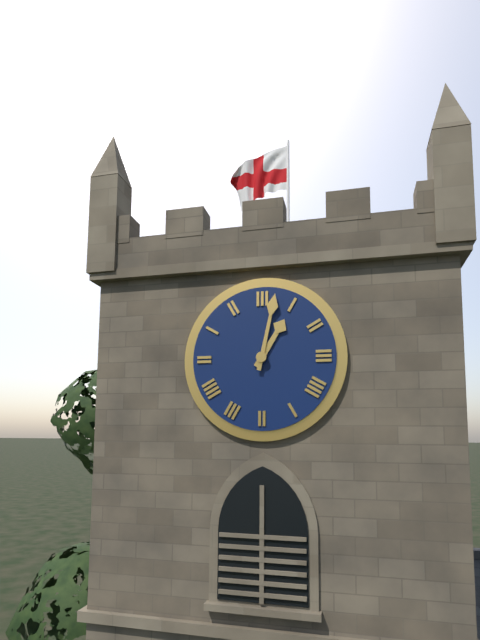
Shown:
1 h 02 min
